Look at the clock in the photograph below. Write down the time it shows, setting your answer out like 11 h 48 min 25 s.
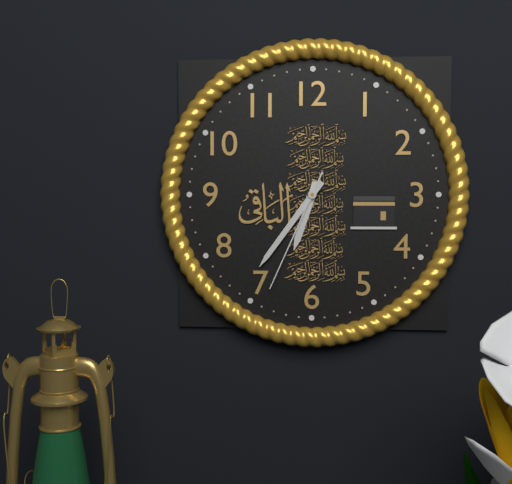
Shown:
6 h 36 min 34 s
